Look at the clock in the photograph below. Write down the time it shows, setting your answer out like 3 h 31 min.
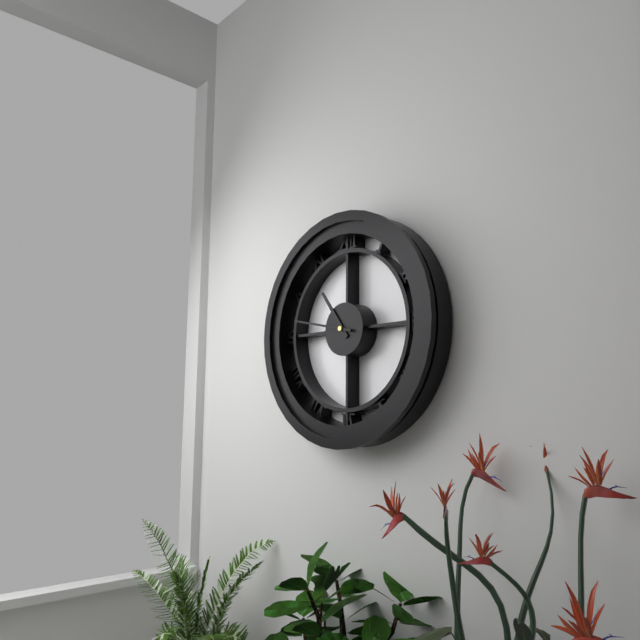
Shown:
10 h 47 min
